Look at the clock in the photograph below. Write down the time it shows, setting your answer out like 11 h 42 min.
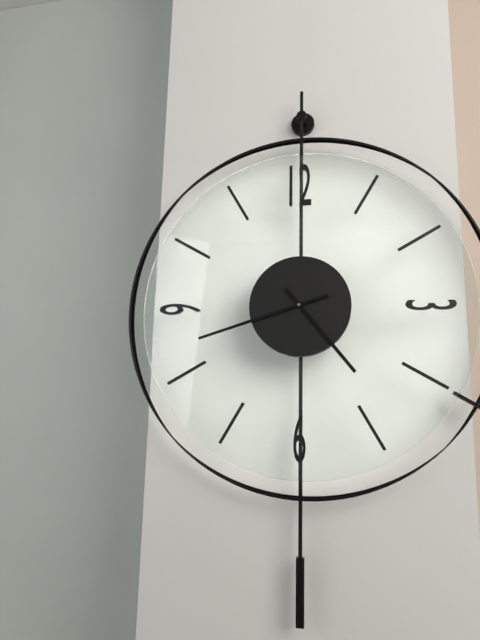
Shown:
4 h 42 min
